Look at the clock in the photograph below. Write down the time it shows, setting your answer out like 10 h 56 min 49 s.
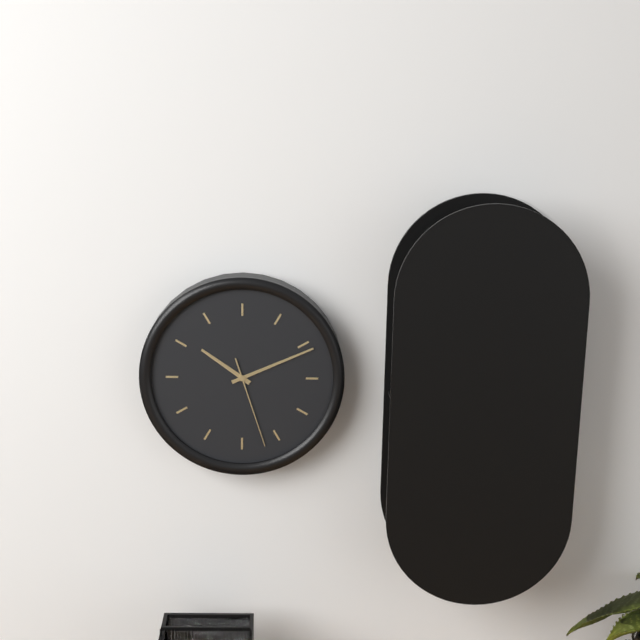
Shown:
10 h 11 min 27 s
